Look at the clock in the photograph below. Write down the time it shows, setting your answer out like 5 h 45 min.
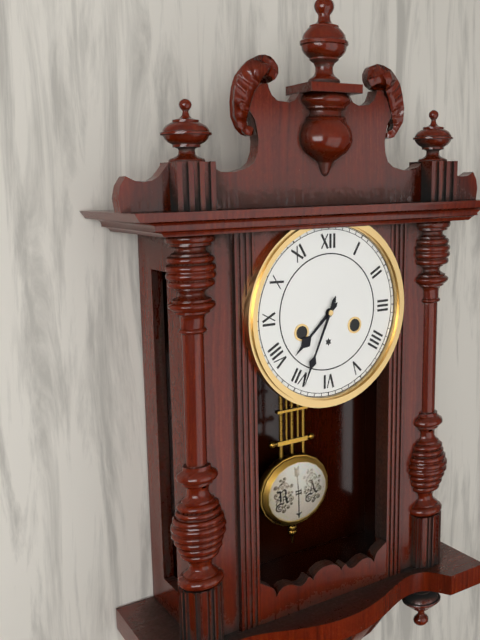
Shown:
7 h 34 min
